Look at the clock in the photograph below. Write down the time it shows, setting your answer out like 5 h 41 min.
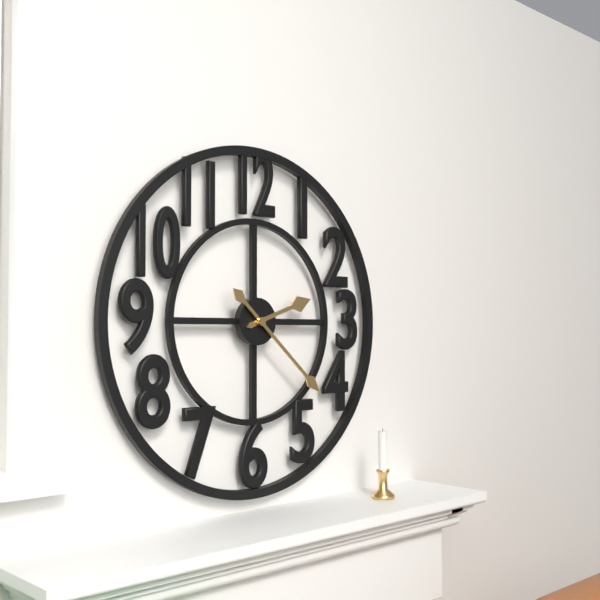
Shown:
2 h 22 min
